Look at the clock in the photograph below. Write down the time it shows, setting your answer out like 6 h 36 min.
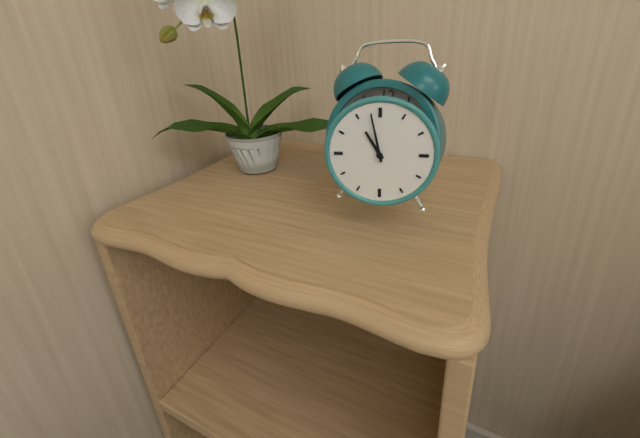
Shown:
10 h 58 min
